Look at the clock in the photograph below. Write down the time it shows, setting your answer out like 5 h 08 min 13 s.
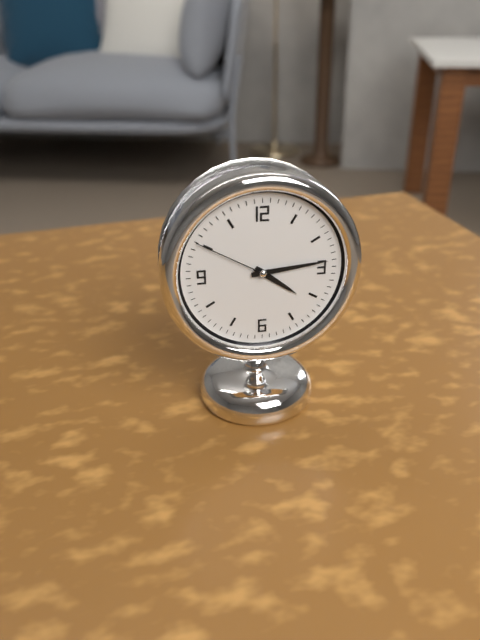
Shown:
4 h 14 min 50 s
